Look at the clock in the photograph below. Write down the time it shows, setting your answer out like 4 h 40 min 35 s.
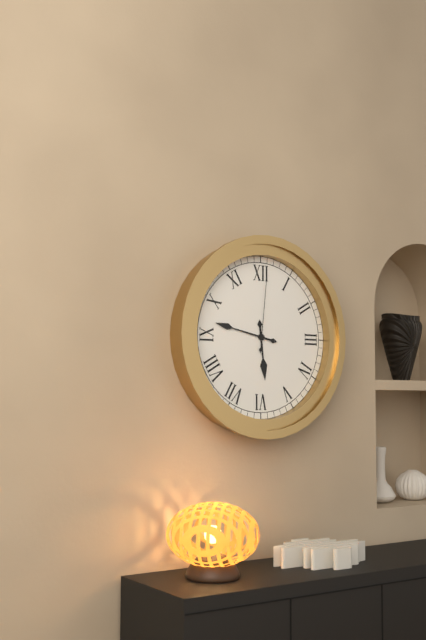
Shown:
5 h 47 min 01 s
